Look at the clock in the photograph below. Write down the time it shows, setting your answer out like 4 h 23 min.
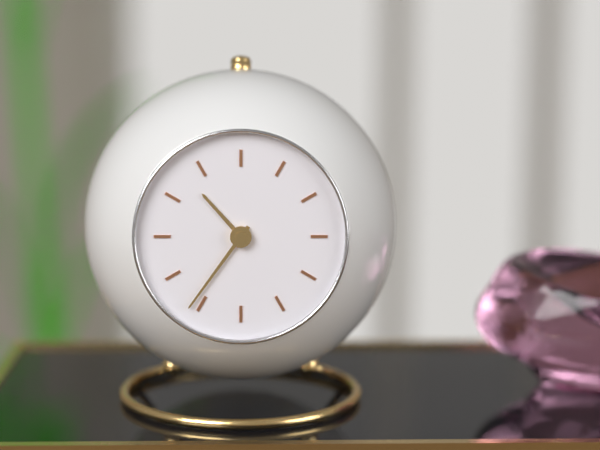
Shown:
10 h 36 min
